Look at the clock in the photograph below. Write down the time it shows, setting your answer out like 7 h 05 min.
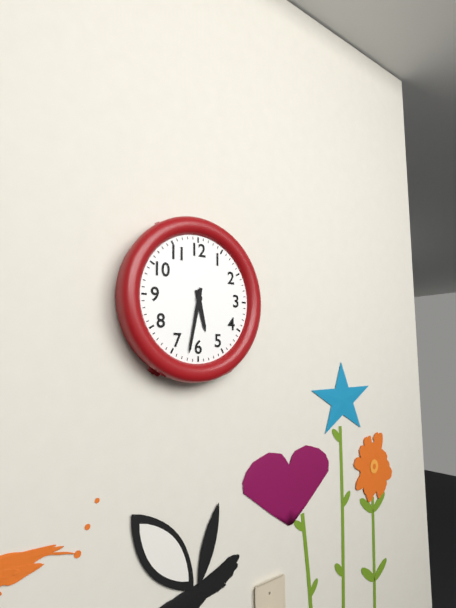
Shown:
5 h 32 min
